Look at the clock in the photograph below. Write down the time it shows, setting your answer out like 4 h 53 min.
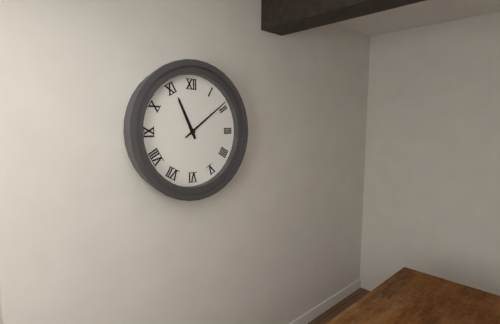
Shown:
11 h 09 min
